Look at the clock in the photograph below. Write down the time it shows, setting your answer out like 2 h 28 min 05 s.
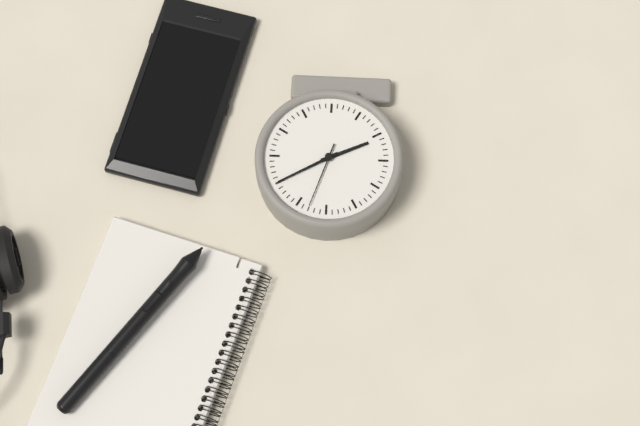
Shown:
8 h 10 min 03 s
